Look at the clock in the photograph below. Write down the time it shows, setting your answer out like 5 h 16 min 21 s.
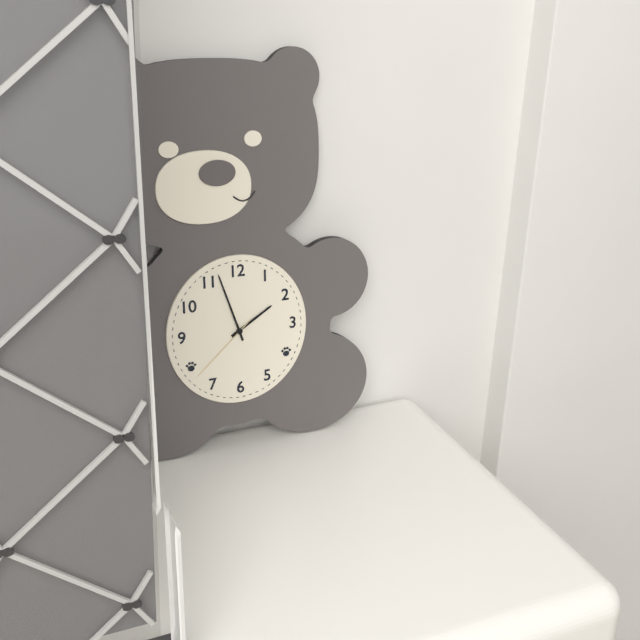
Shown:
1 h 57 min 38 s
